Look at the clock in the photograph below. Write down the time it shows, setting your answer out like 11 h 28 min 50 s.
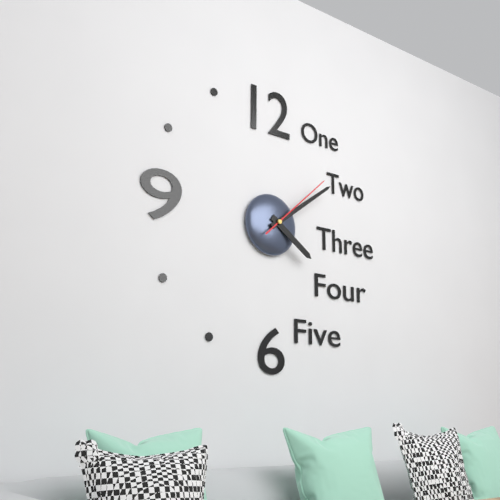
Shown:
4 h 09 min 08 s
